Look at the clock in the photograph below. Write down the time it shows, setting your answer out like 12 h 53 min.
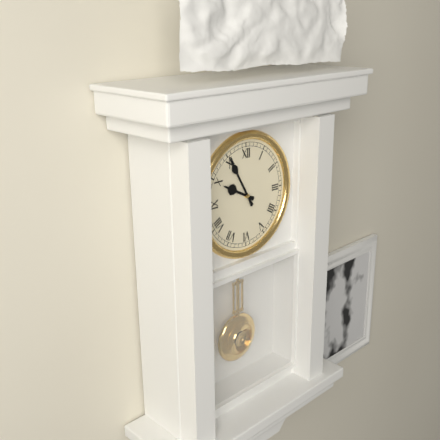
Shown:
9 h 55 min
